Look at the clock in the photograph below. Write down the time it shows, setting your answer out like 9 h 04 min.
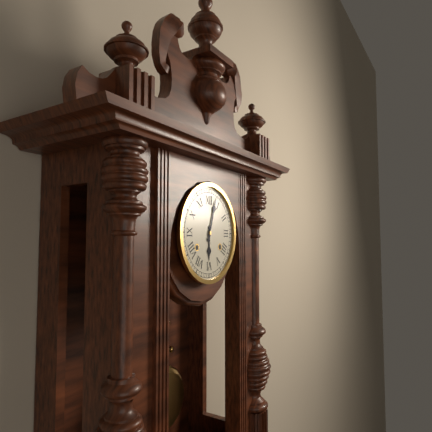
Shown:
6 h 03 min
